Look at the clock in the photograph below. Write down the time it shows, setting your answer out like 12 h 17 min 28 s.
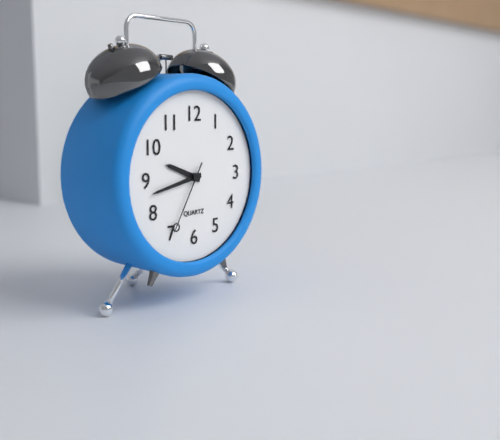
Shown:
9 h 43 min 35 s
